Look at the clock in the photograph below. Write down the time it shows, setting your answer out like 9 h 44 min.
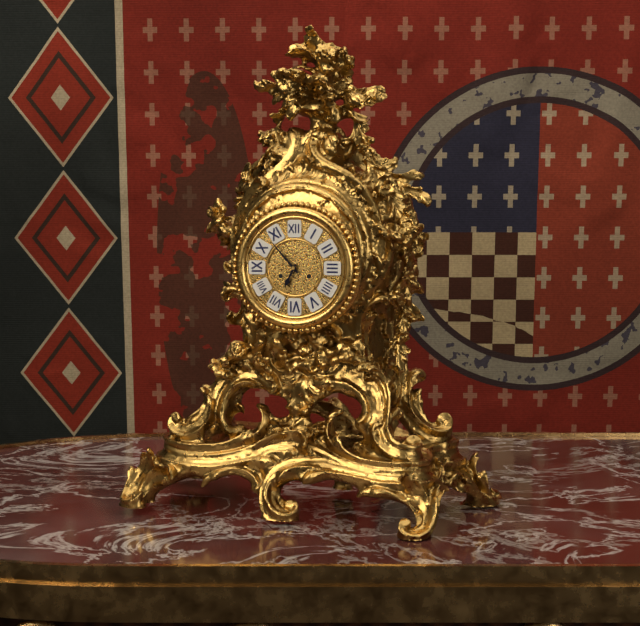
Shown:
6 h 53 min
